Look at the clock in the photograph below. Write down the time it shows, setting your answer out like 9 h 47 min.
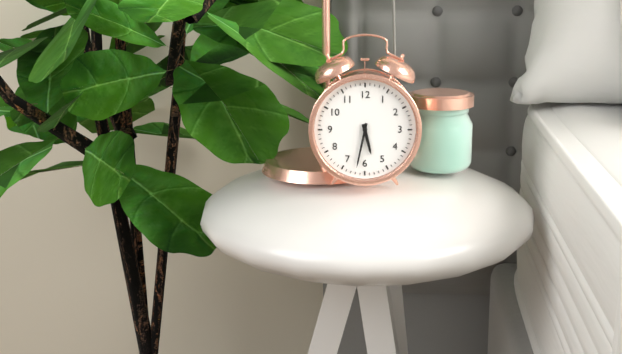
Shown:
5 h 32 min
